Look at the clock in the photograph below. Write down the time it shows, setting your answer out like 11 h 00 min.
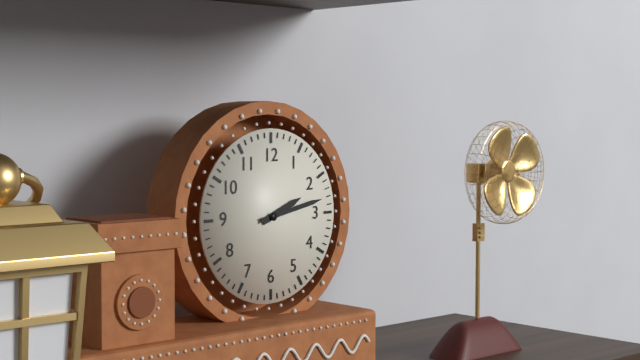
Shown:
2 h 13 min
